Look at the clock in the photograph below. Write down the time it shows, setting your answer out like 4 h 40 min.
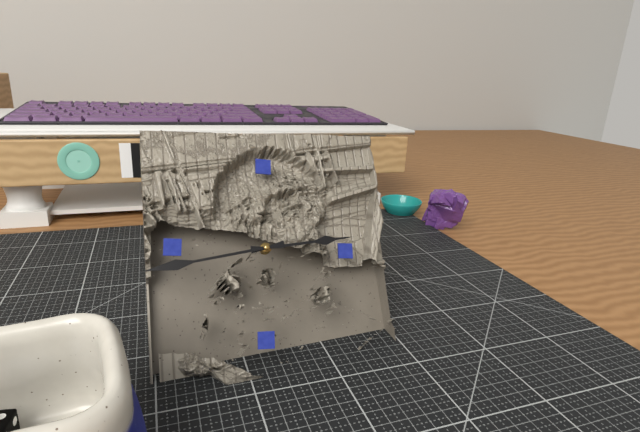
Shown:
2 h 43 min
